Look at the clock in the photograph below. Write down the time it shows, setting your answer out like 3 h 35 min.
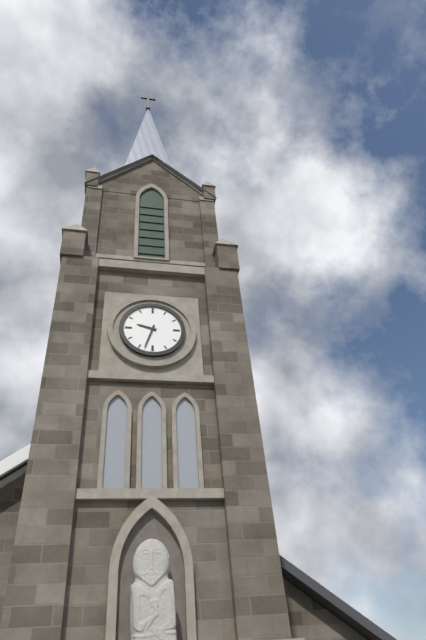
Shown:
9 h 33 min
